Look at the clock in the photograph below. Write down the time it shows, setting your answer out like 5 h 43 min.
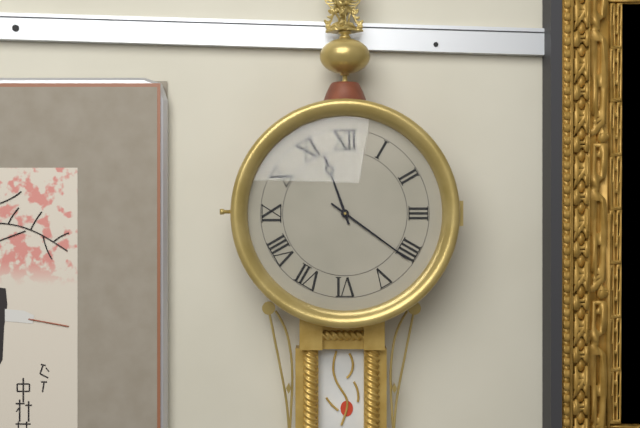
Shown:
11 h 21 min
